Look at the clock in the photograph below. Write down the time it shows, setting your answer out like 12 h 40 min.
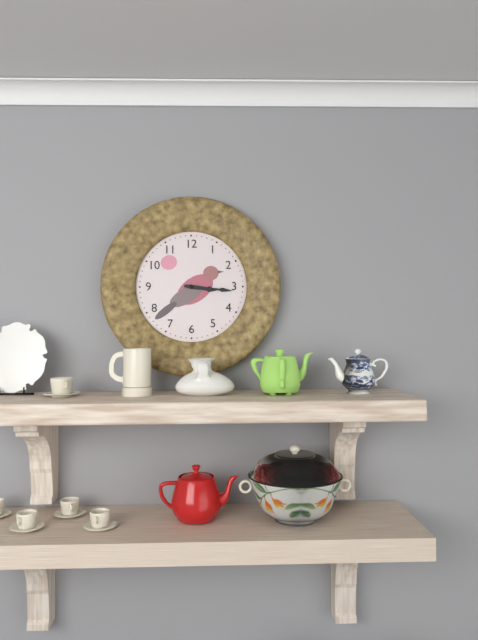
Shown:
3 h 16 min
